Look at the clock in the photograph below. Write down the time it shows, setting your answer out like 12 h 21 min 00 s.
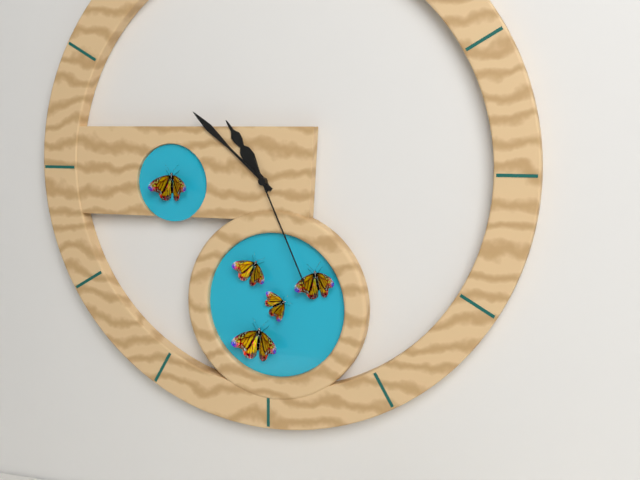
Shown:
10 h 52 min 26 s
